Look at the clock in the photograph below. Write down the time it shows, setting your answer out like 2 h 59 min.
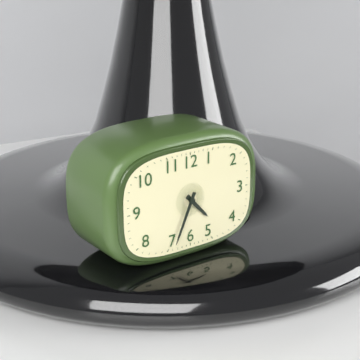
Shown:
4 h 34 min
